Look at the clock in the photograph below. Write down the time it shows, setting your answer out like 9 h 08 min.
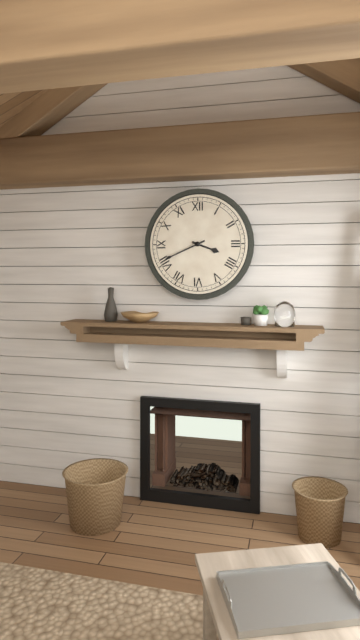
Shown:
3 h 41 min
